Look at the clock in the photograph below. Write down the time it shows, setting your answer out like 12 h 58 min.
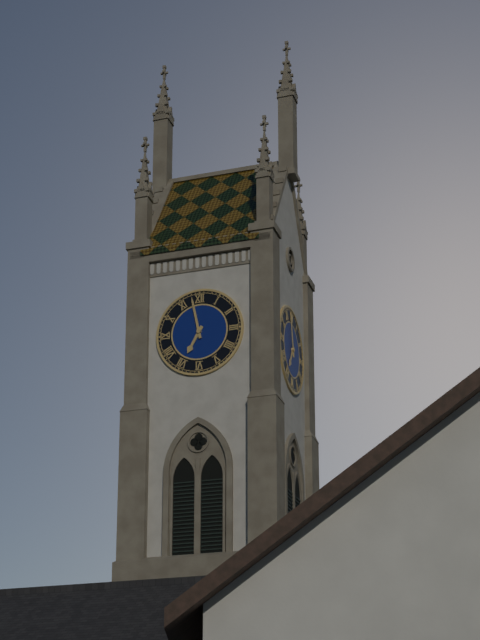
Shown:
6 h 58 min
